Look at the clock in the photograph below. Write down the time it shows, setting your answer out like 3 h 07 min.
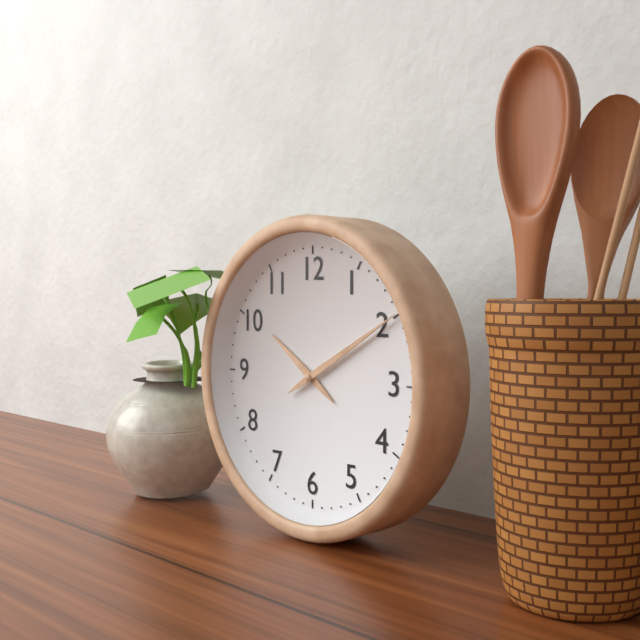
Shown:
10 h 10 min
